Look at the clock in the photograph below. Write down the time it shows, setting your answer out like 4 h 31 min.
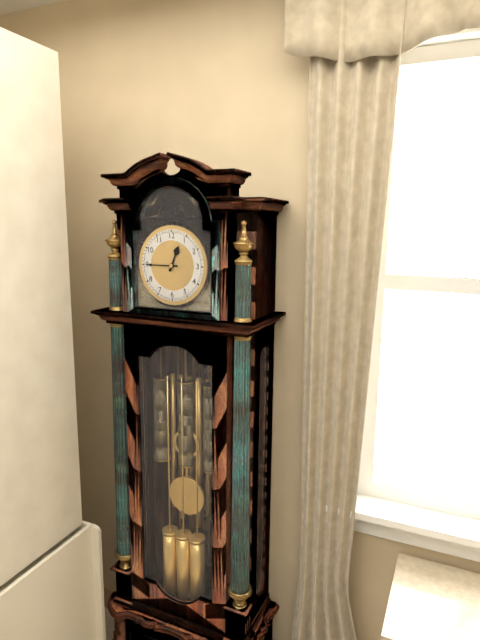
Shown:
12 h 45 min
